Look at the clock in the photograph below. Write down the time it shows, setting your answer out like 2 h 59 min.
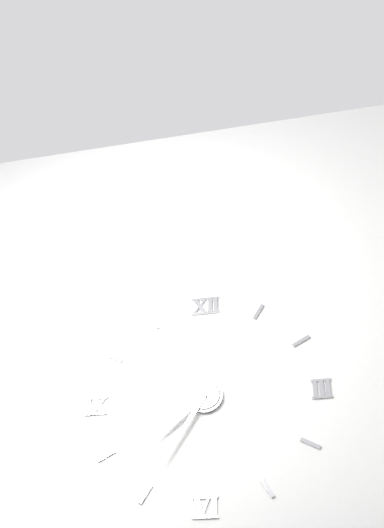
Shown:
7 h 35 min
